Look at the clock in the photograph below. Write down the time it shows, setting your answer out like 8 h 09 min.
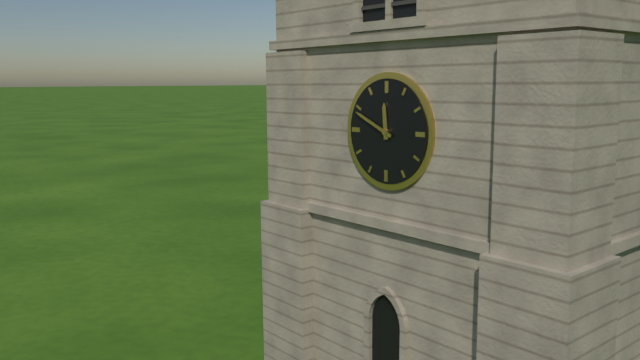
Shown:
11 h 49 min
